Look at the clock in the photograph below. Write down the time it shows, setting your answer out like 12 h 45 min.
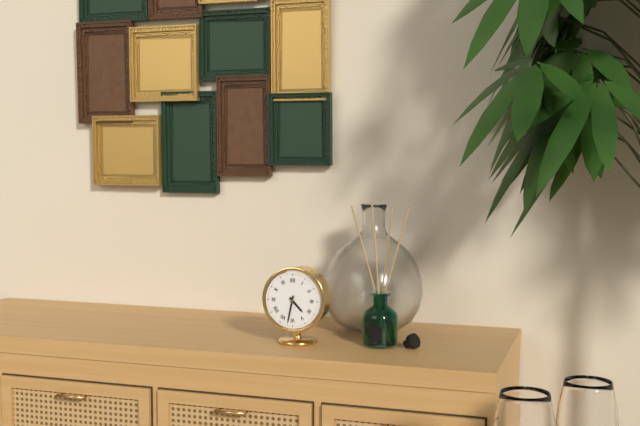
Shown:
4 h 32 min
